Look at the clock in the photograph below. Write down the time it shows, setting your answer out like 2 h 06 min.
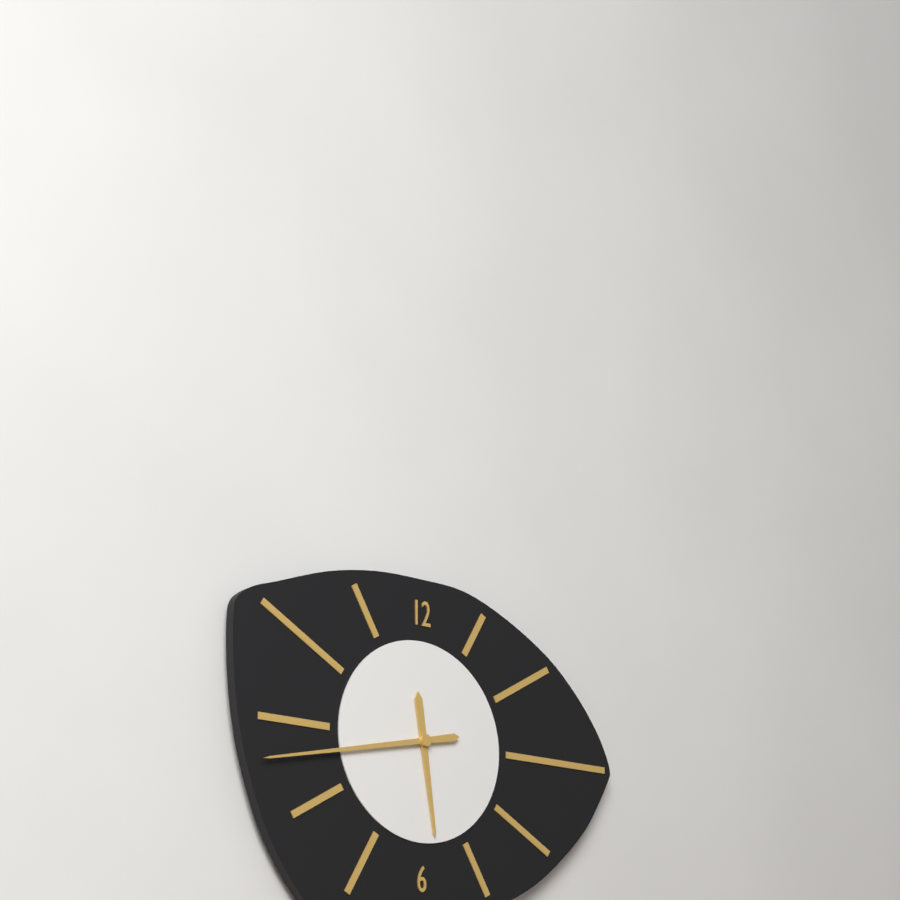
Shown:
5 h 43 min
